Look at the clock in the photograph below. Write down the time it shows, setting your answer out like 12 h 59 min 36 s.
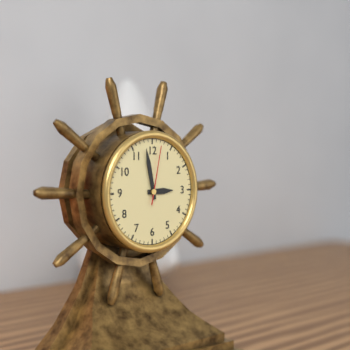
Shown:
2 h 58 min 02 s
